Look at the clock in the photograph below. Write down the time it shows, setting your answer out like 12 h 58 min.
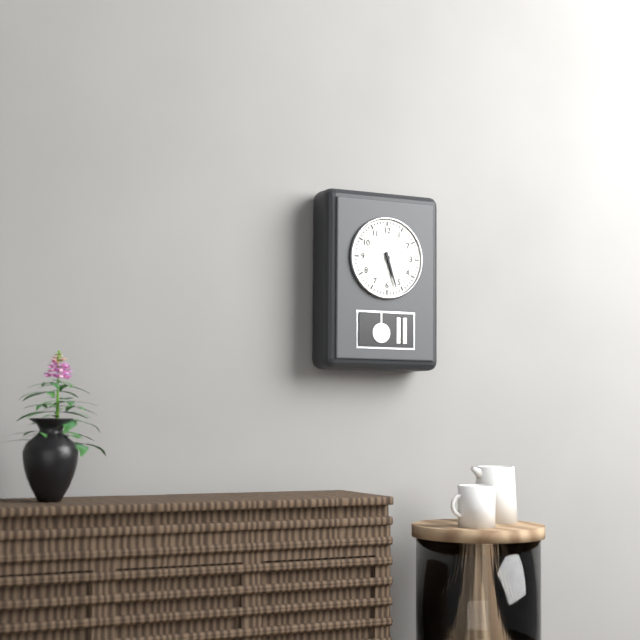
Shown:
5 h 27 min
